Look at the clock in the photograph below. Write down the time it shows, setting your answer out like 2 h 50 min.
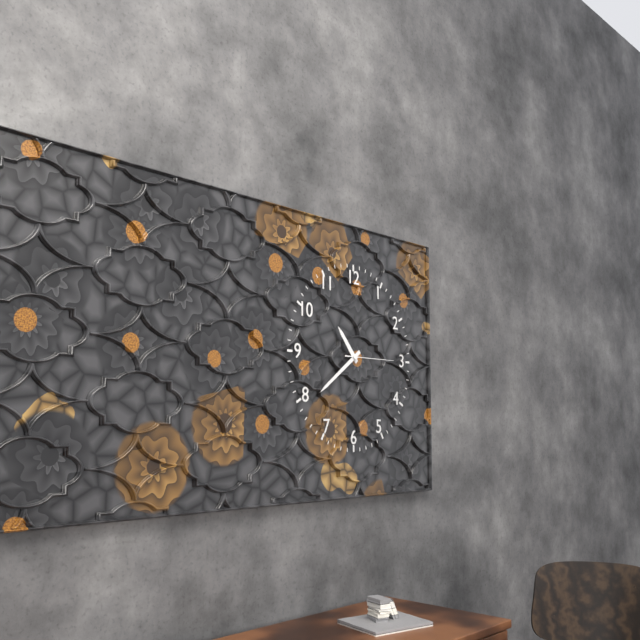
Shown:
10 h 39 min
